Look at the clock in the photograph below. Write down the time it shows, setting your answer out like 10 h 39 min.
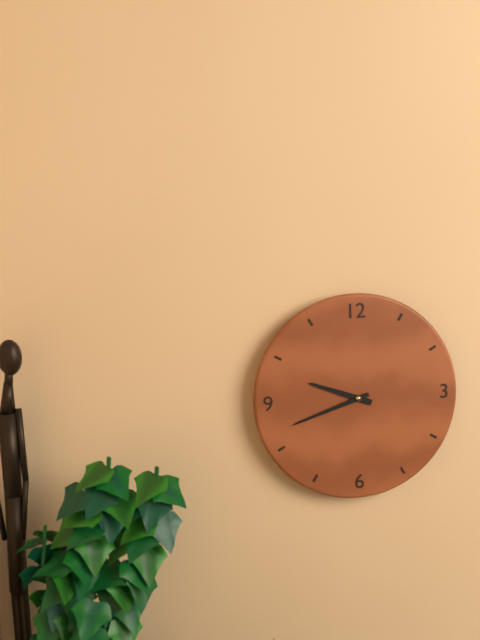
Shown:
9 h 42 min
